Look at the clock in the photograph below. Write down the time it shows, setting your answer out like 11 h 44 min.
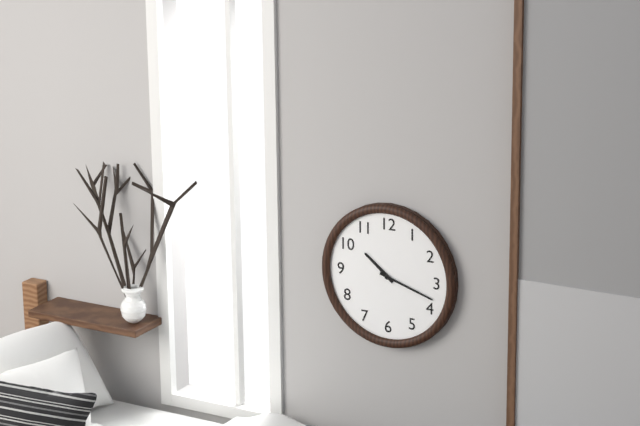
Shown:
10 h 18 min
